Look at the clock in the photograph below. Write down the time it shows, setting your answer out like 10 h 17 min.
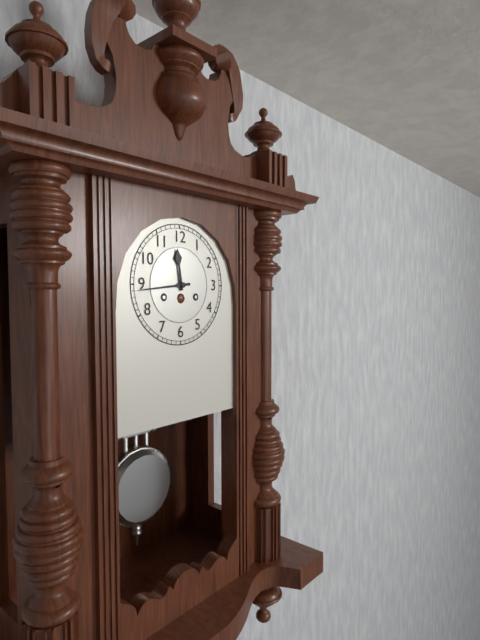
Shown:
11 h 44 min
